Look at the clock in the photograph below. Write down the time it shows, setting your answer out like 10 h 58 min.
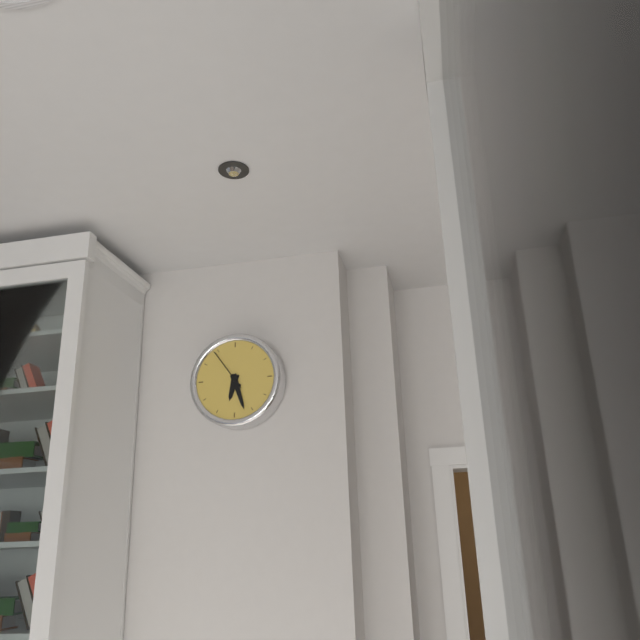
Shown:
6 h 27 min
